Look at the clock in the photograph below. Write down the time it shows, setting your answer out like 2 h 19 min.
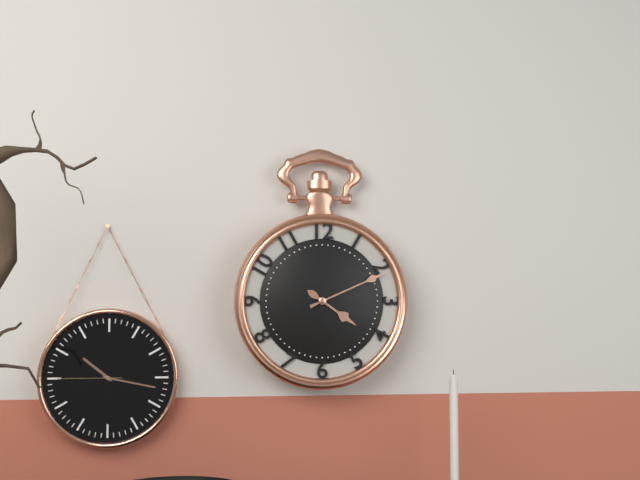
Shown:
4 h 11 min
